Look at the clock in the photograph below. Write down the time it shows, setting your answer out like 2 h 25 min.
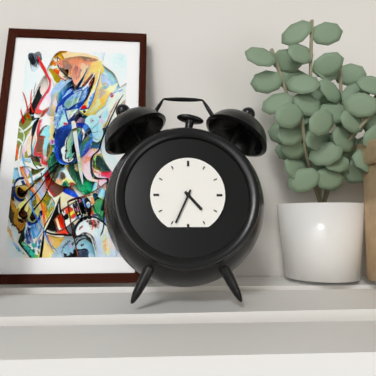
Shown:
4 h 34 min
